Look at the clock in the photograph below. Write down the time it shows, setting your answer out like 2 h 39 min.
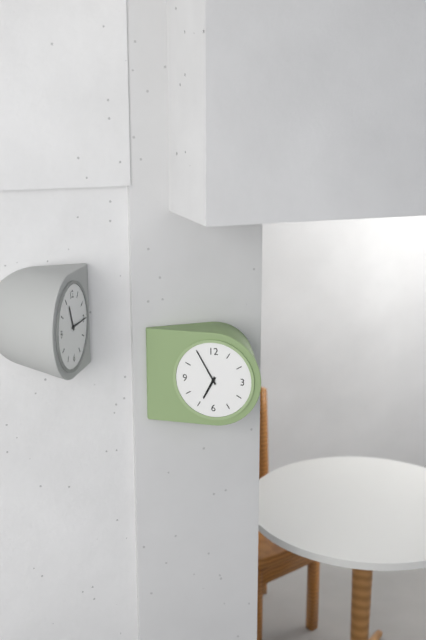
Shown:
6 h 55 min
